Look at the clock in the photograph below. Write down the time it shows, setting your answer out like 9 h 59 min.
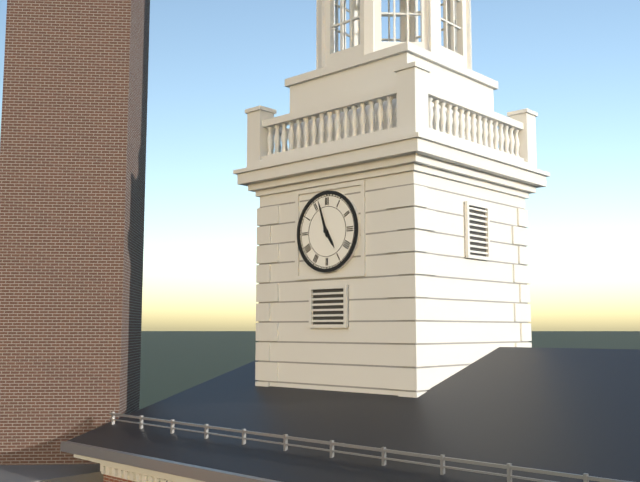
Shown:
4 h 57 min
